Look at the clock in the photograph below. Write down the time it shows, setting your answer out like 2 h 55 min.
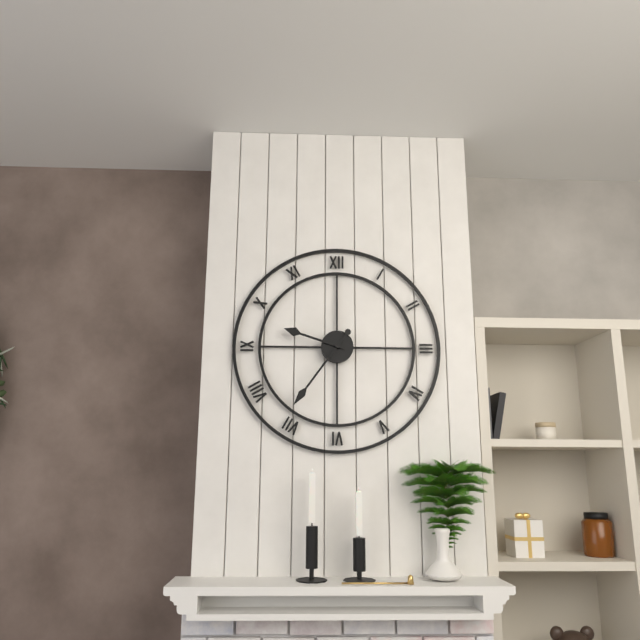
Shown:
9 h 36 min
